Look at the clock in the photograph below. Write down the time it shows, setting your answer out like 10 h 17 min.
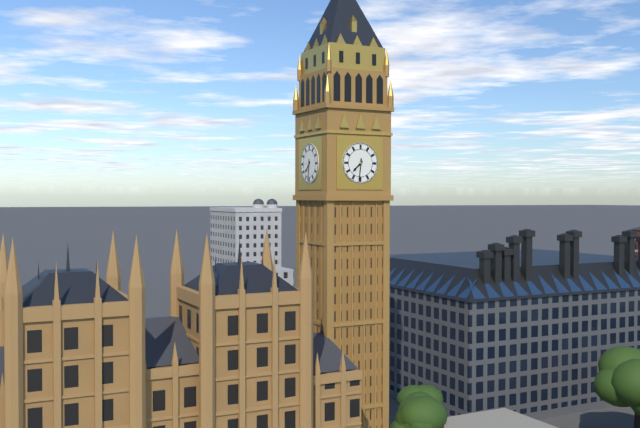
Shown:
7 h 31 min
